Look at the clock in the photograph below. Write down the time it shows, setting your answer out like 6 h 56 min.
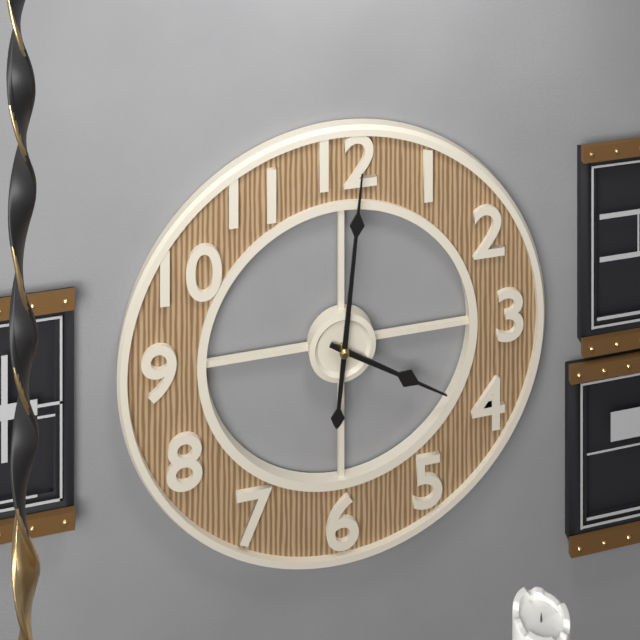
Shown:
4 h 01 min
